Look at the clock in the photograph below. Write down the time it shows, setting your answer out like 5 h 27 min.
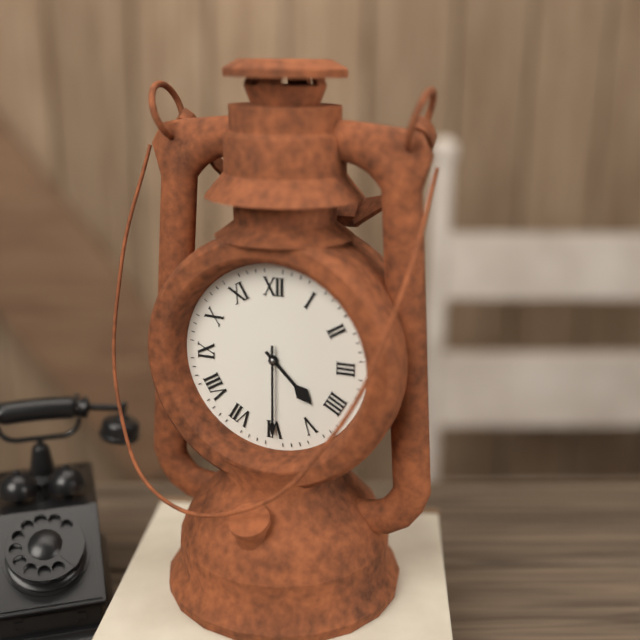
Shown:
4 h 30 min
